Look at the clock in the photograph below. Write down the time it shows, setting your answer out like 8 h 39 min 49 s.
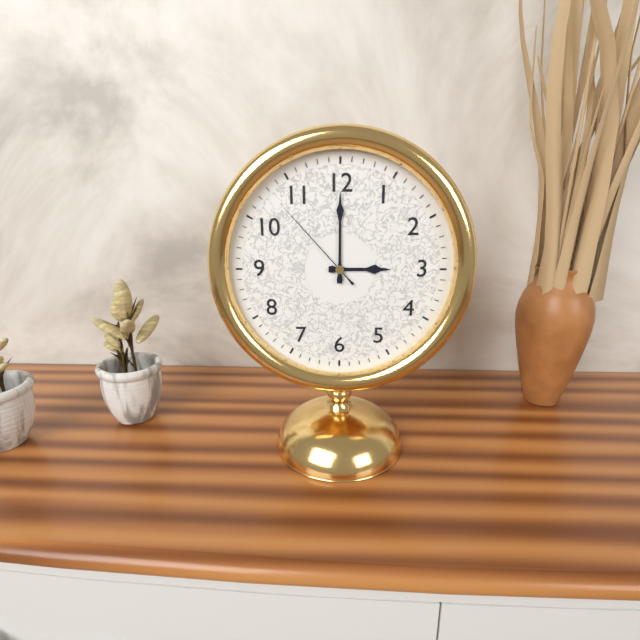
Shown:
3 h 00 min 53 s
